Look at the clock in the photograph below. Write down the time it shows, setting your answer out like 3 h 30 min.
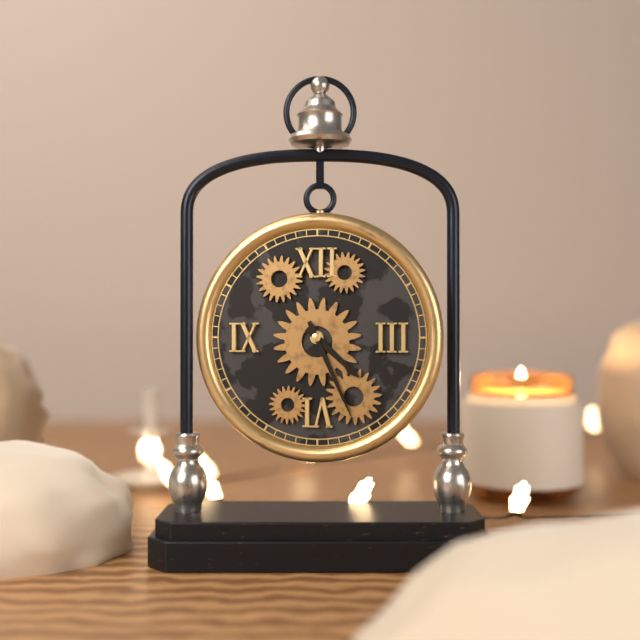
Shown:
4 h 26 min
